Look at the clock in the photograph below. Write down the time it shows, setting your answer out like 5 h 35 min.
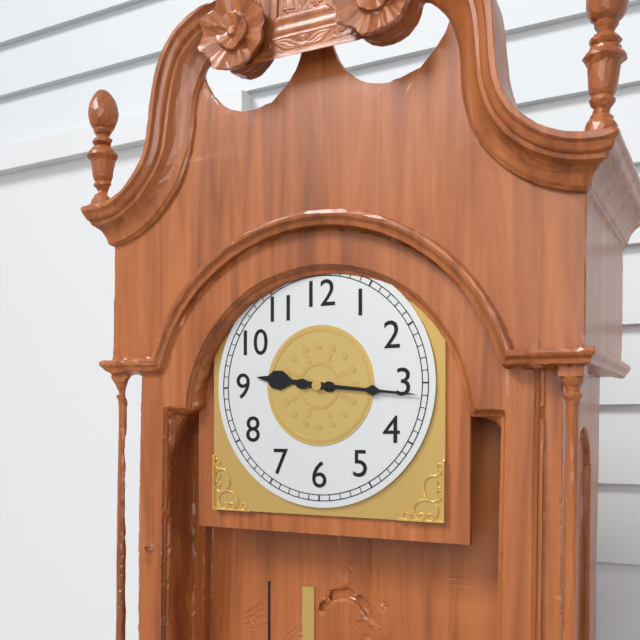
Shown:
9 h 16 min
